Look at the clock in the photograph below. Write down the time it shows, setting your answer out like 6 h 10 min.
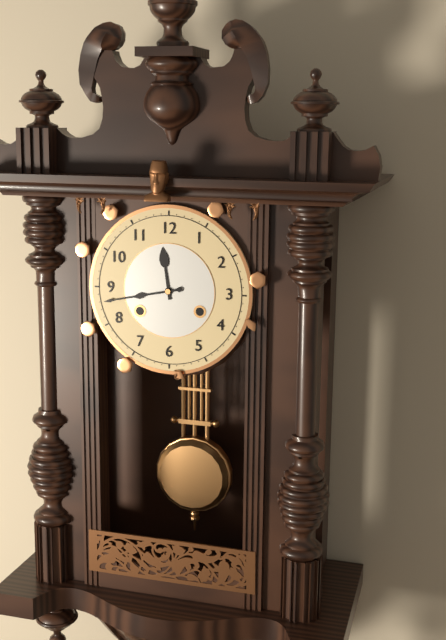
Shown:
11 h 43 min
